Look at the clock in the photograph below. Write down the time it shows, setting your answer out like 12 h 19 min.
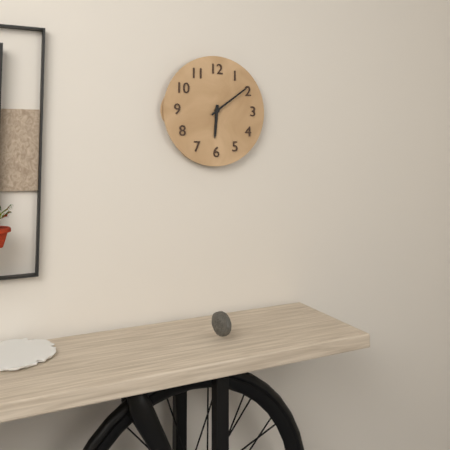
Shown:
6 h 09 min
